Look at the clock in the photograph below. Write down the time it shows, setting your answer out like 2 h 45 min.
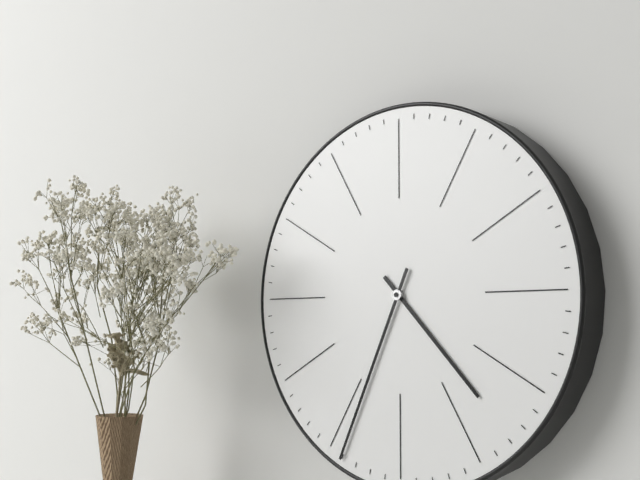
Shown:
4 h 34 min
